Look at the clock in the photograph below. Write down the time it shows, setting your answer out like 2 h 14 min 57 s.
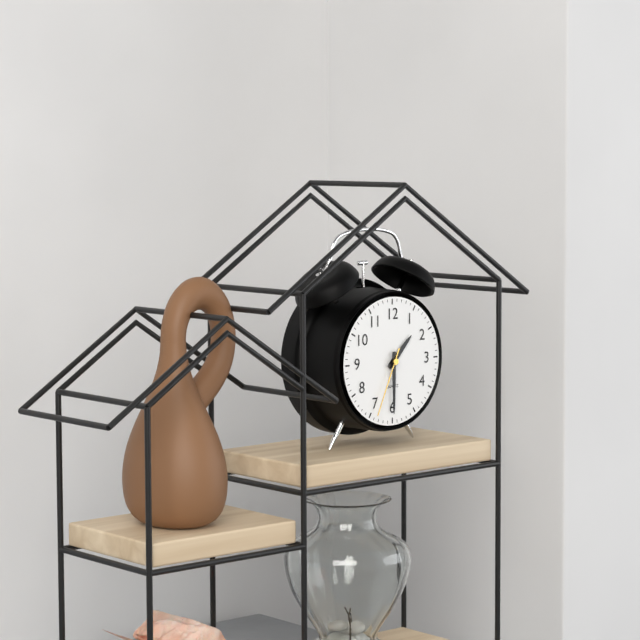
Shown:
1 h 30 min 34 s
